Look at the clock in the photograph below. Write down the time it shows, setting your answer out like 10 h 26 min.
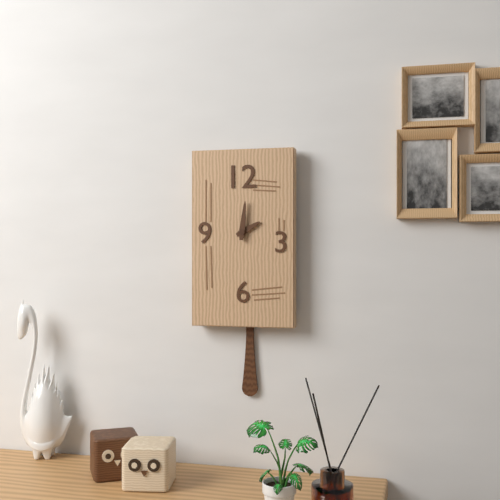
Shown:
2 h 01 min
